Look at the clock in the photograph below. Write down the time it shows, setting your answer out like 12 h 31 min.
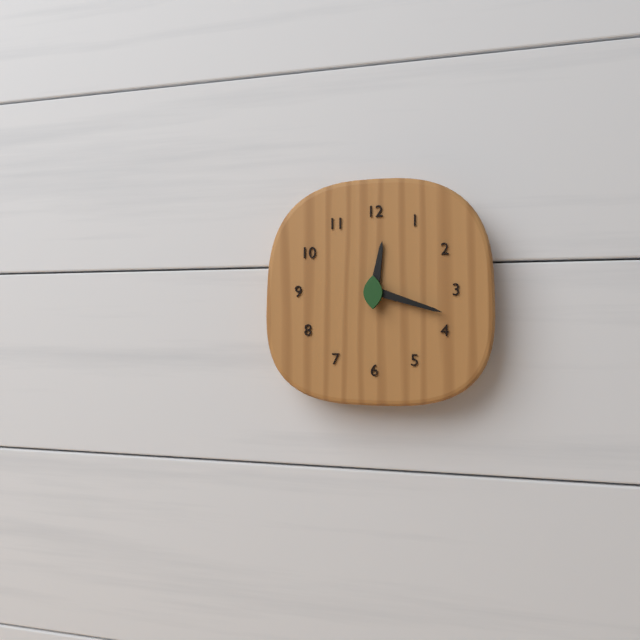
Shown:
12 h 18 min
